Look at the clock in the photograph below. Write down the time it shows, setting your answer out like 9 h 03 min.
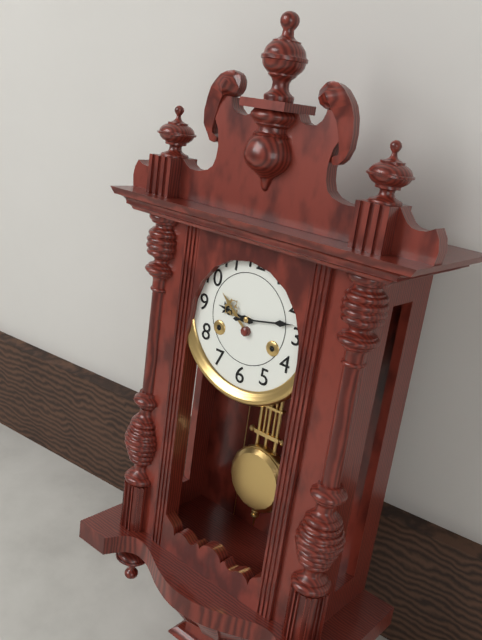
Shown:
9 h 13 min
